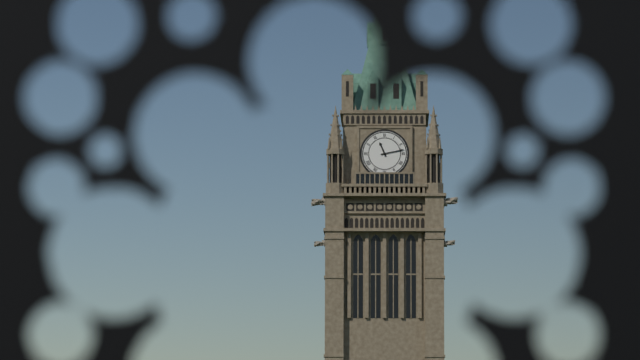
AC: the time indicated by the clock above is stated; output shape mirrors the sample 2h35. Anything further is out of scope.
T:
11h13
